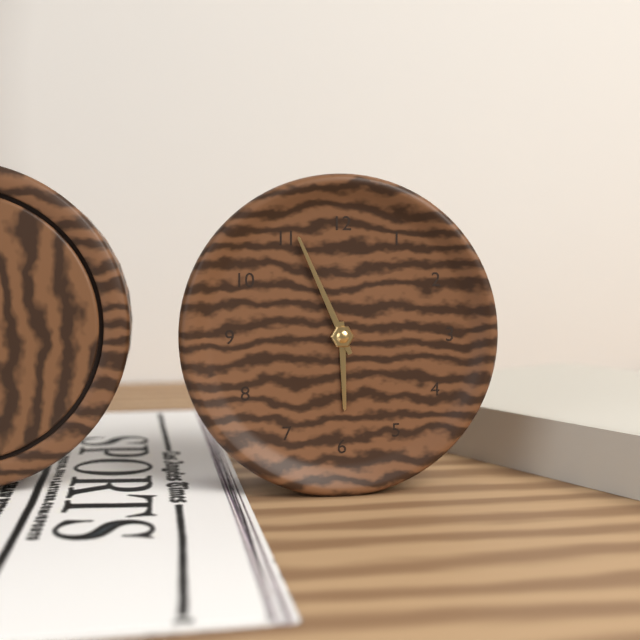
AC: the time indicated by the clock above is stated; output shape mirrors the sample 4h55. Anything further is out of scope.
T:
5h56
